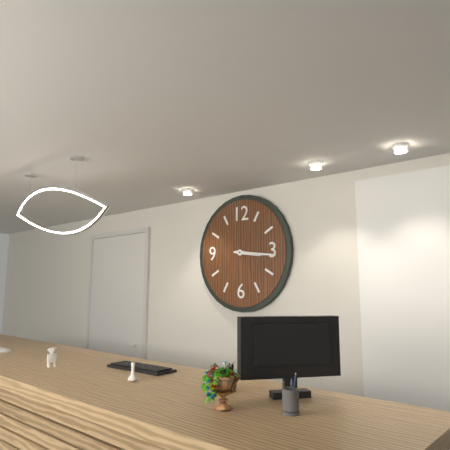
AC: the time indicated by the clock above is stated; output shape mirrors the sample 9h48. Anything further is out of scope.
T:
3h16
